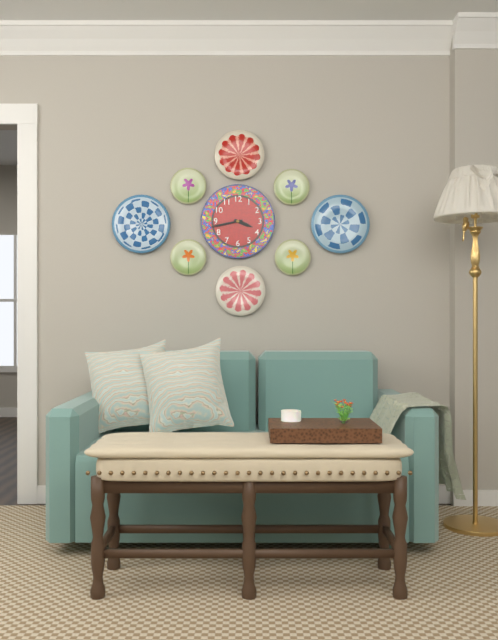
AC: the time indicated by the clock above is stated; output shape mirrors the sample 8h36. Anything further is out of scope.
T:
3h43
